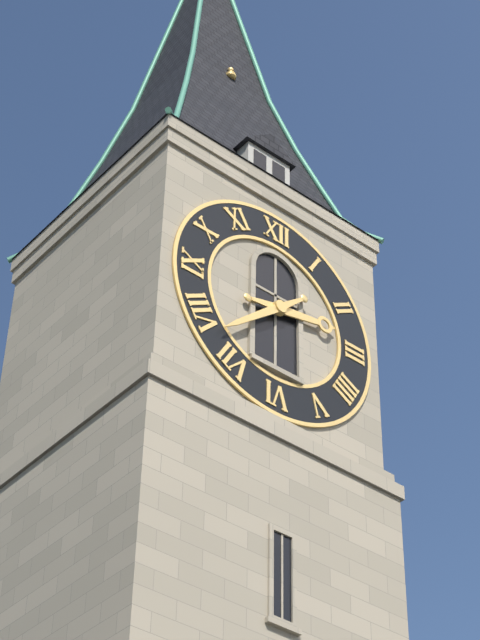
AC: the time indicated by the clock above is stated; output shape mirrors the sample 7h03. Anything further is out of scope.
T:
2h38
